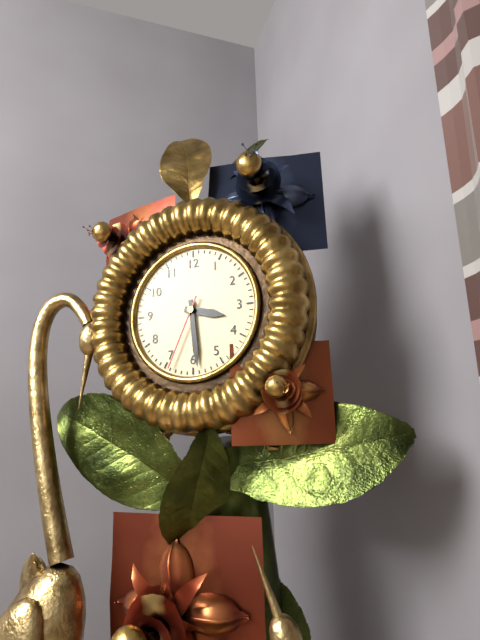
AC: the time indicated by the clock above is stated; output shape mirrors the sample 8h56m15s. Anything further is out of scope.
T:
3h29m34s
